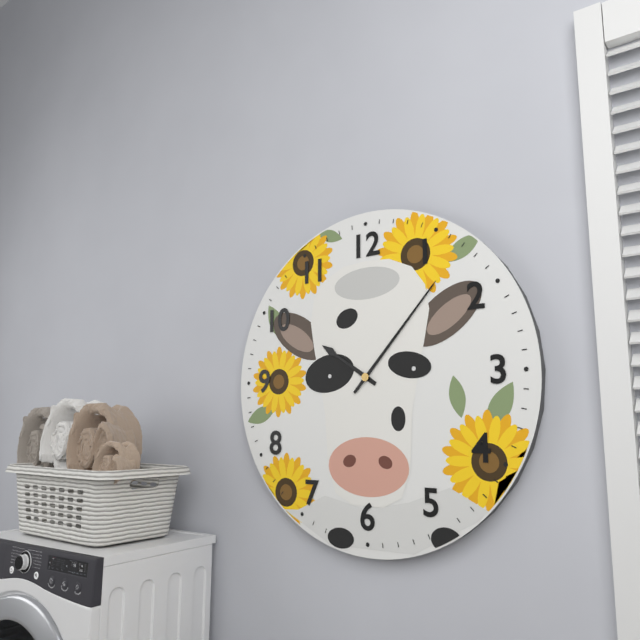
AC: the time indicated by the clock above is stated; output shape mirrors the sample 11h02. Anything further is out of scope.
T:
10h07
